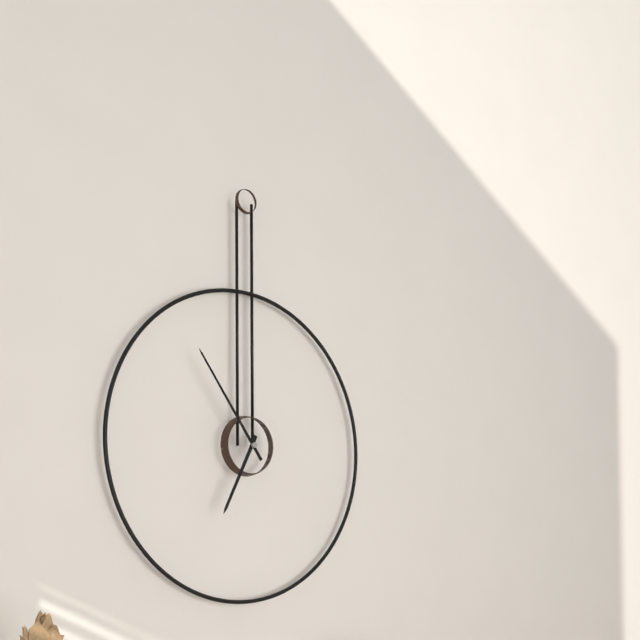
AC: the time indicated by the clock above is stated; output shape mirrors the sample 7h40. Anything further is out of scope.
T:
6h54
